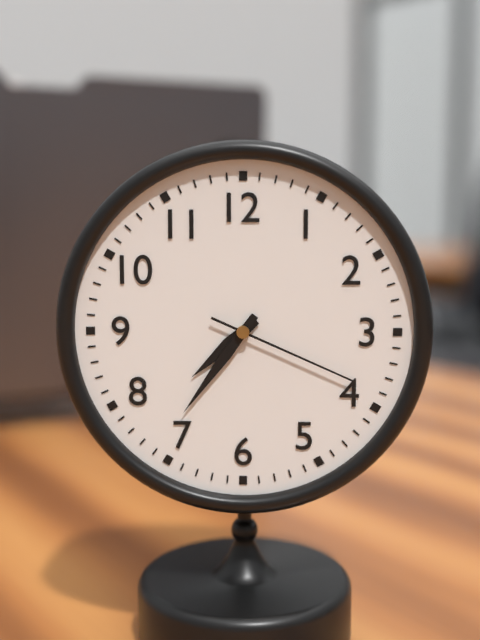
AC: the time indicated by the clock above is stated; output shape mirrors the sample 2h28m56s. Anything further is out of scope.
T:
7h36m19s
